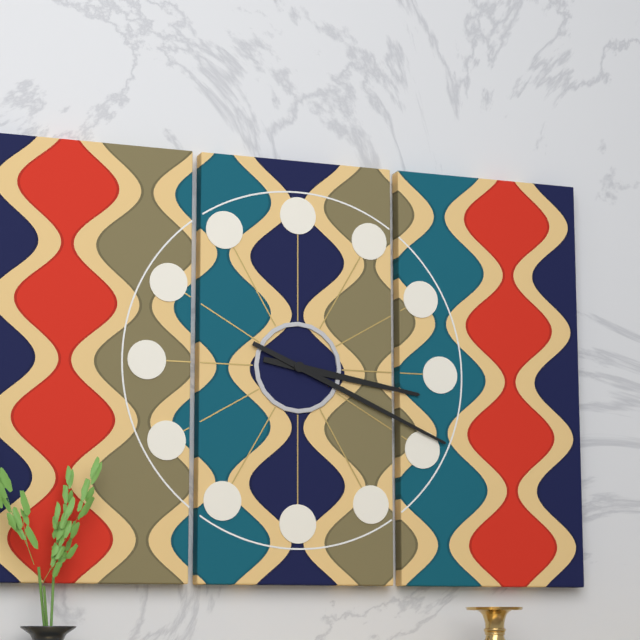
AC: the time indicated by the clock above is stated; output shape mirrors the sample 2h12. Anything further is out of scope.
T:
3h19
